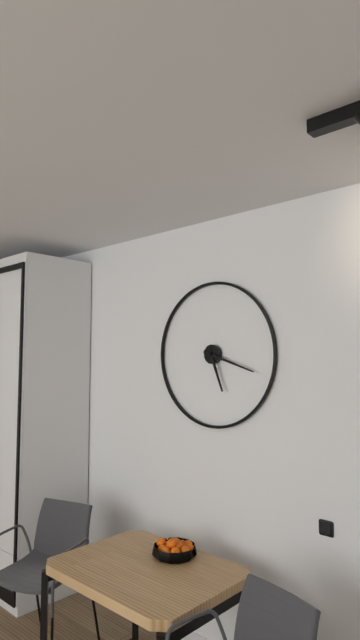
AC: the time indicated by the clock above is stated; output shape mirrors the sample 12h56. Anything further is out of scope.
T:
5h18
